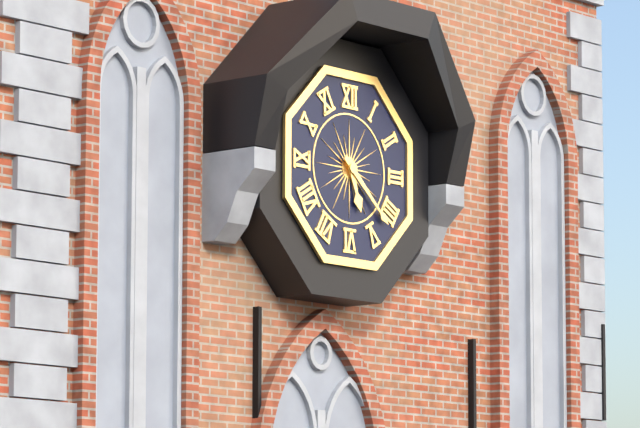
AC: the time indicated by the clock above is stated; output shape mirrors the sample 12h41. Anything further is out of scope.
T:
5h22
